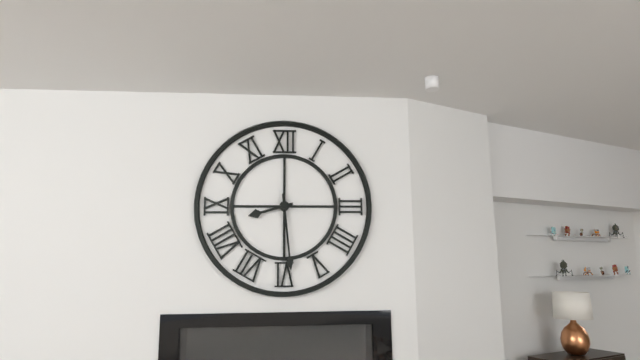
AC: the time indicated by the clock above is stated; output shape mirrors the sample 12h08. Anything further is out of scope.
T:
8h29
